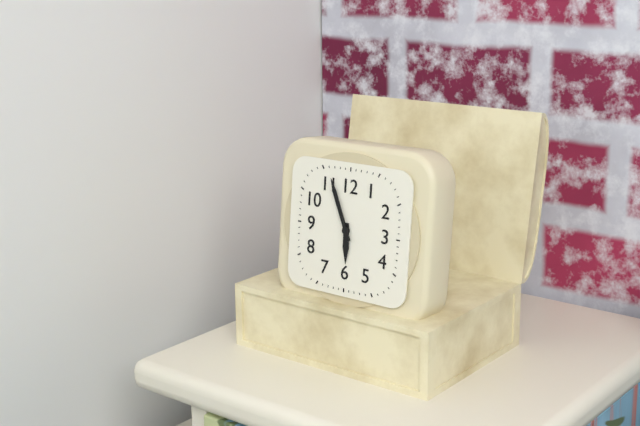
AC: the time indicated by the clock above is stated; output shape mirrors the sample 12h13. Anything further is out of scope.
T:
5h56
